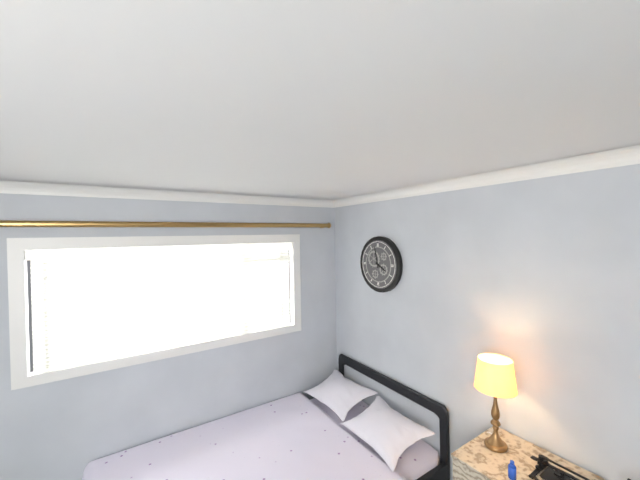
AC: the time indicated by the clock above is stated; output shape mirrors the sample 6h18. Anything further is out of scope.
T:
3h58
